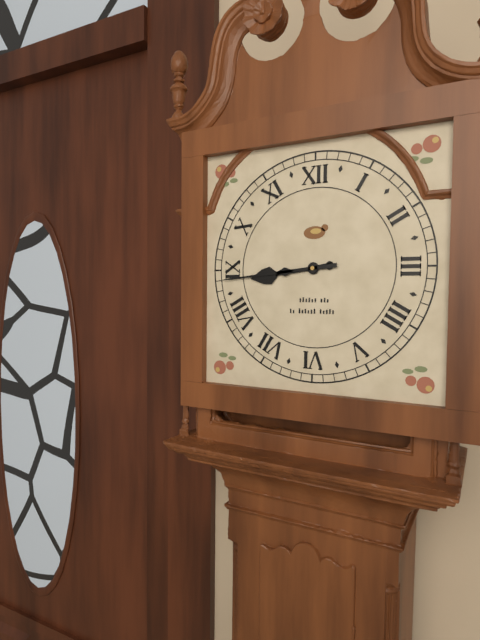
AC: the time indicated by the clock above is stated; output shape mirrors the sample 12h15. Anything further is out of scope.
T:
8h44
